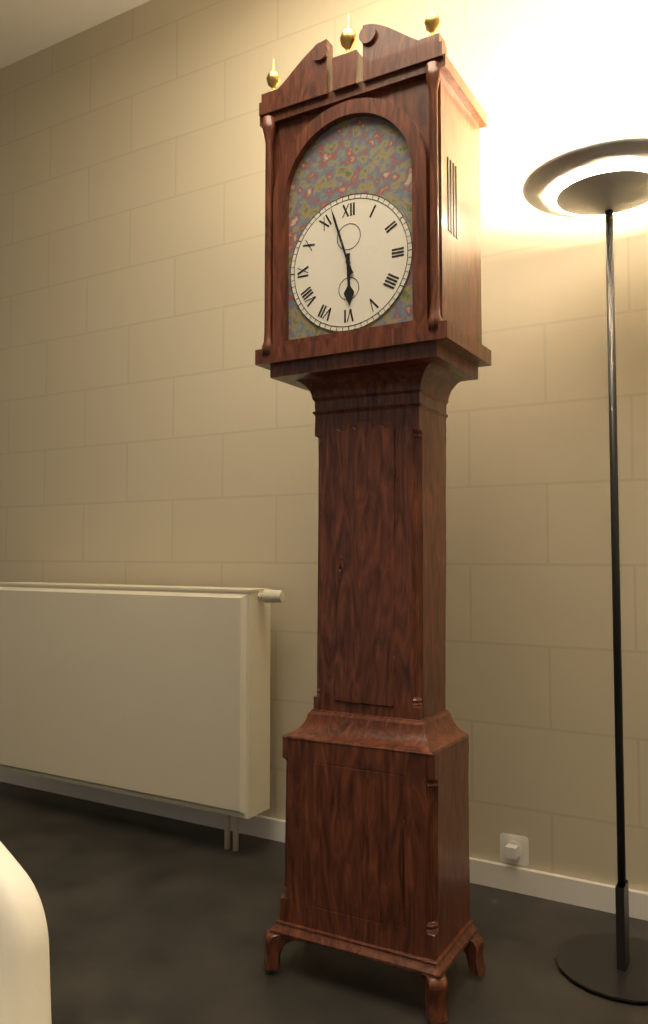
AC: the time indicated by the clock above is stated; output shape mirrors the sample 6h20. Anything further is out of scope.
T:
5h57
